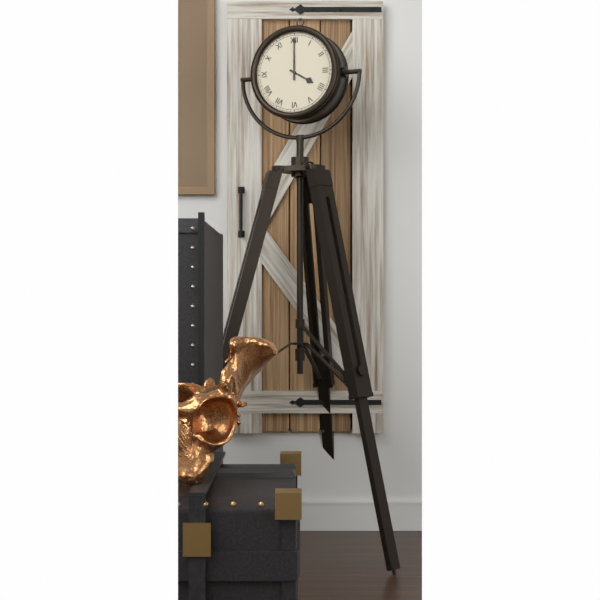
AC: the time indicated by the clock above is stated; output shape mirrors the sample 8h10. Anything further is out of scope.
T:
4h00
